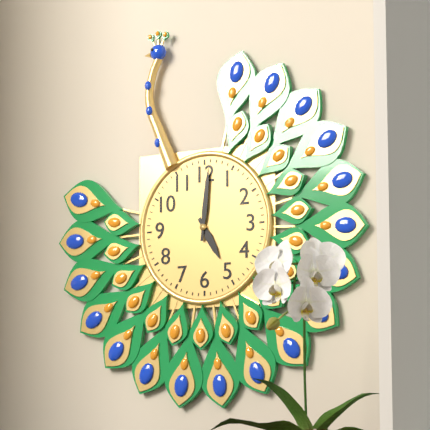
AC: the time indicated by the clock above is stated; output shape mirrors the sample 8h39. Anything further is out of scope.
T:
5h01
